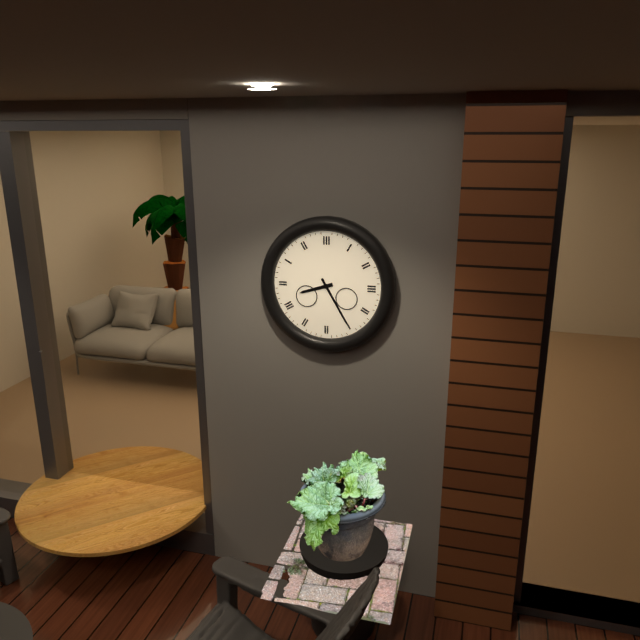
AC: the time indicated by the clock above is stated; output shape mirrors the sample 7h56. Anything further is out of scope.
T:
8h25
